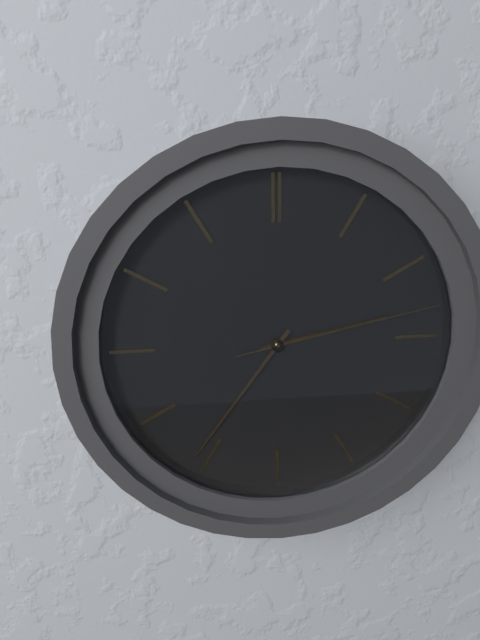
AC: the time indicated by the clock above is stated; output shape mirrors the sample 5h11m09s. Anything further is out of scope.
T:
2h36m13s
